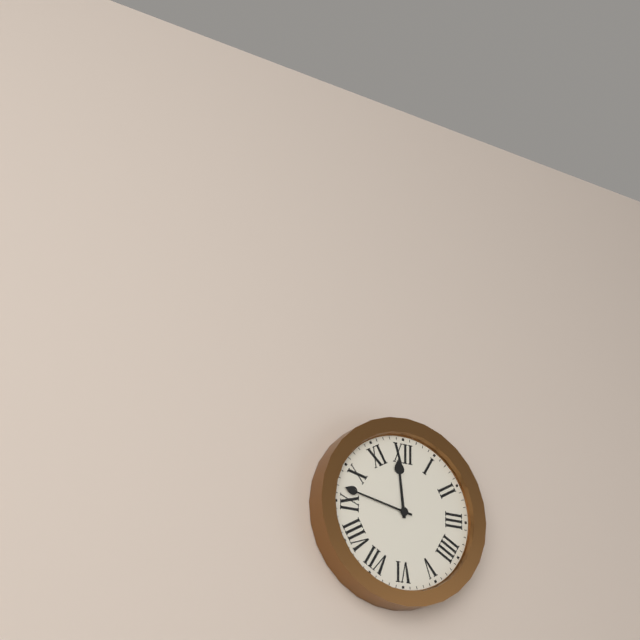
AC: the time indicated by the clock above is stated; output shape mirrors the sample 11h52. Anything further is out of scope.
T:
11h47
